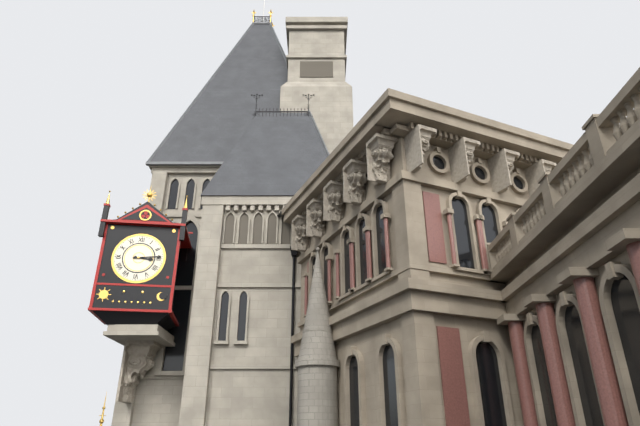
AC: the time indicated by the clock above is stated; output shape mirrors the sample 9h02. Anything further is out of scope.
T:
3h14
